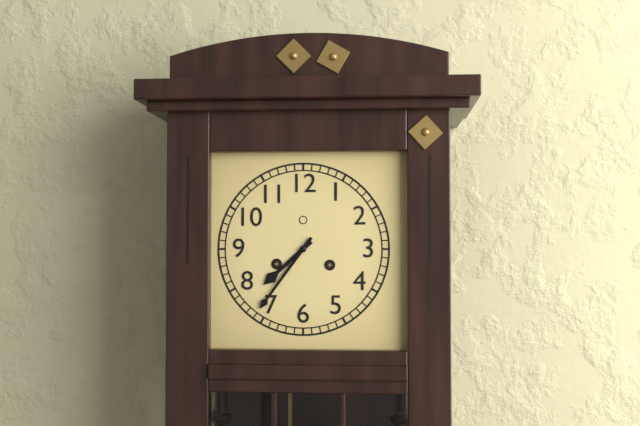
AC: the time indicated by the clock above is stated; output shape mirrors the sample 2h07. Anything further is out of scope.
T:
7h36
